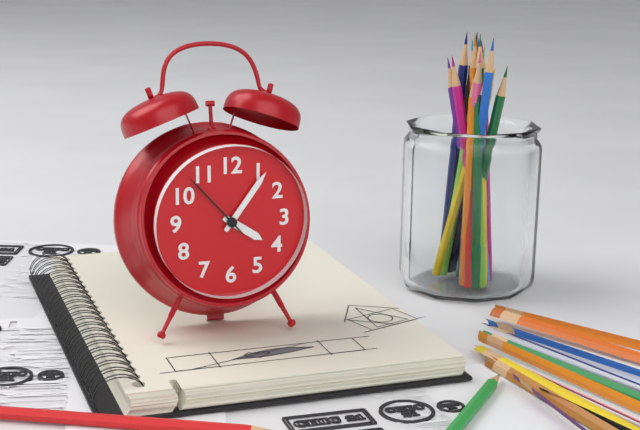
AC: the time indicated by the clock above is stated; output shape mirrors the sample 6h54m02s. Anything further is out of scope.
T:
4h06m53s
